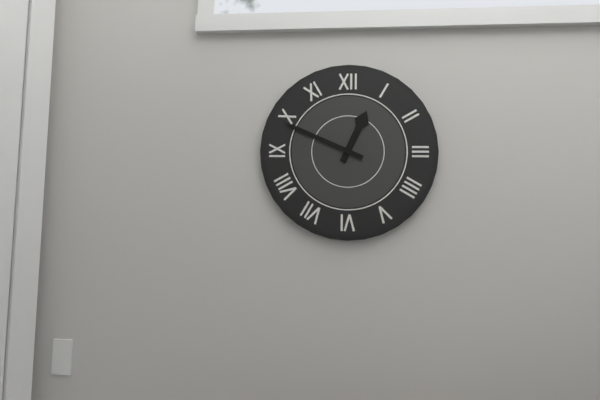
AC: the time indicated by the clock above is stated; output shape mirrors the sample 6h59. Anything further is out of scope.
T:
12h49
